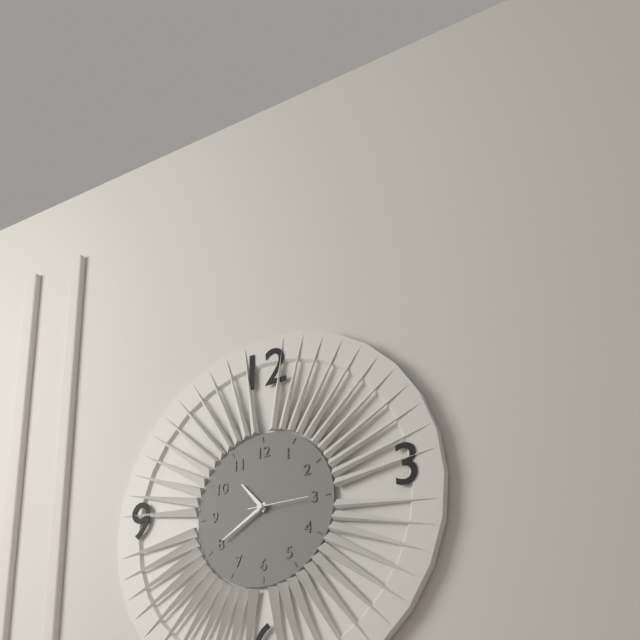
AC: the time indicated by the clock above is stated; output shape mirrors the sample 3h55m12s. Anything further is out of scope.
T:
10h40m15s
